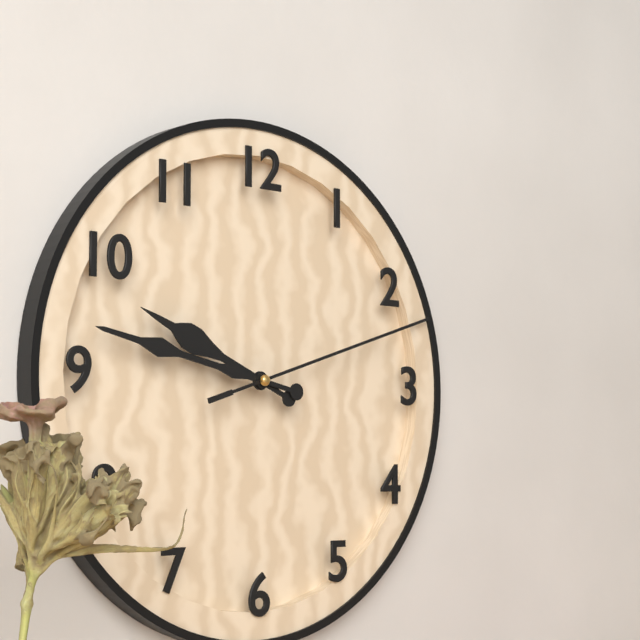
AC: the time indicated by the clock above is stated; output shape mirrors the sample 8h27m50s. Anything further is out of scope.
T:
9h47m12s
